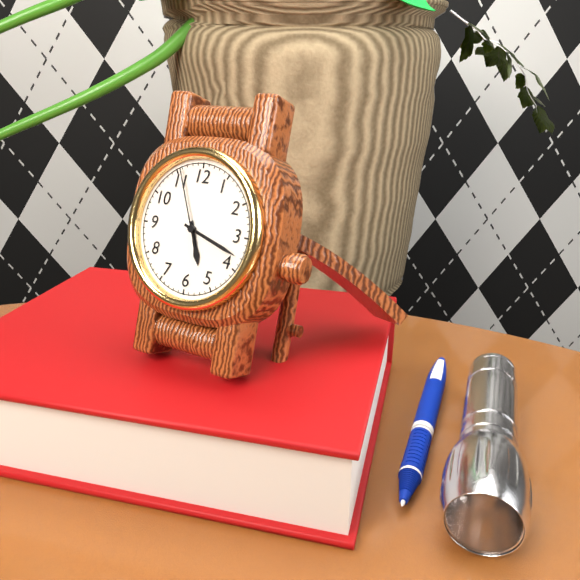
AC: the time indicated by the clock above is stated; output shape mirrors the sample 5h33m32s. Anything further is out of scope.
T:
5h18m56s
